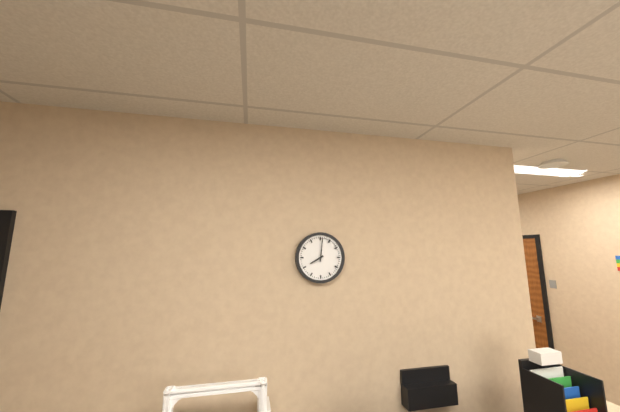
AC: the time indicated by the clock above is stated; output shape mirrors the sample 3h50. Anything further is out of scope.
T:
8h01
